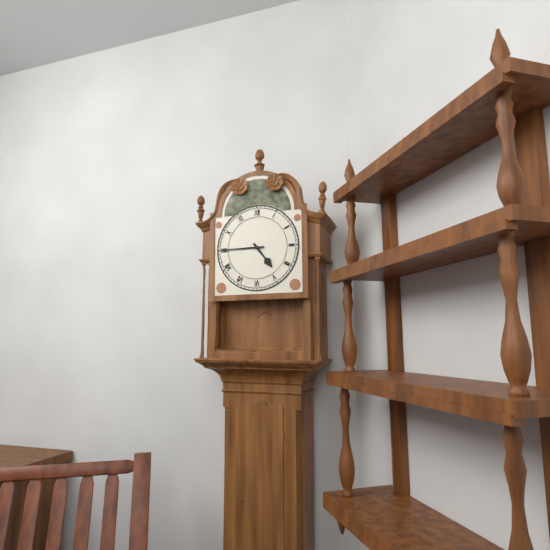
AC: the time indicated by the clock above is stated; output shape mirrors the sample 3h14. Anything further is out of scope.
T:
4h45
